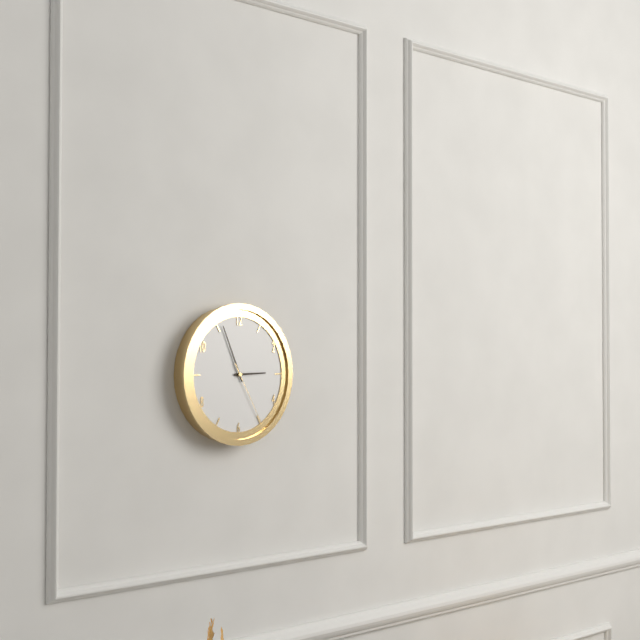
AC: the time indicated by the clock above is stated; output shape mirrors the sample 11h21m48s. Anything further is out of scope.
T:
2h56m25s
